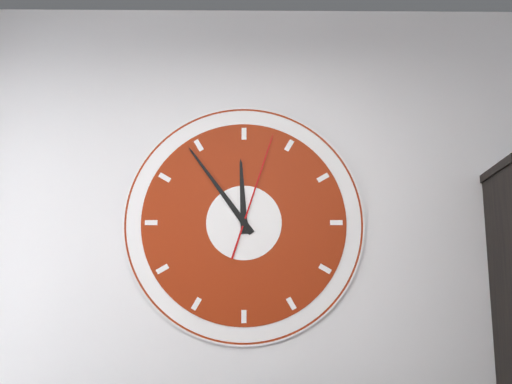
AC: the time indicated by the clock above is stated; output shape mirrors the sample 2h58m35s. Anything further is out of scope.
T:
11h54m03s
